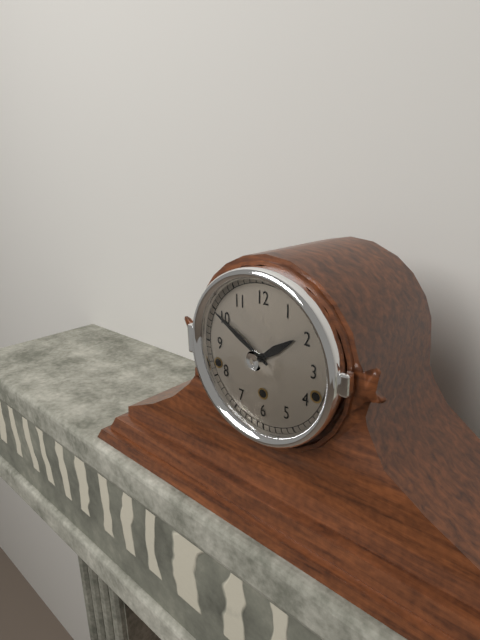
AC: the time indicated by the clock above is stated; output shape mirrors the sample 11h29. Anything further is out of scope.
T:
1h50
